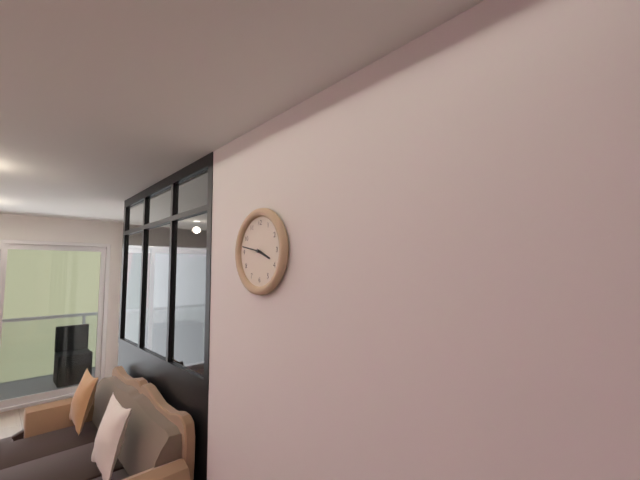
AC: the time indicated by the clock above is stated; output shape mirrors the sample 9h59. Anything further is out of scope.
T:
3h47
